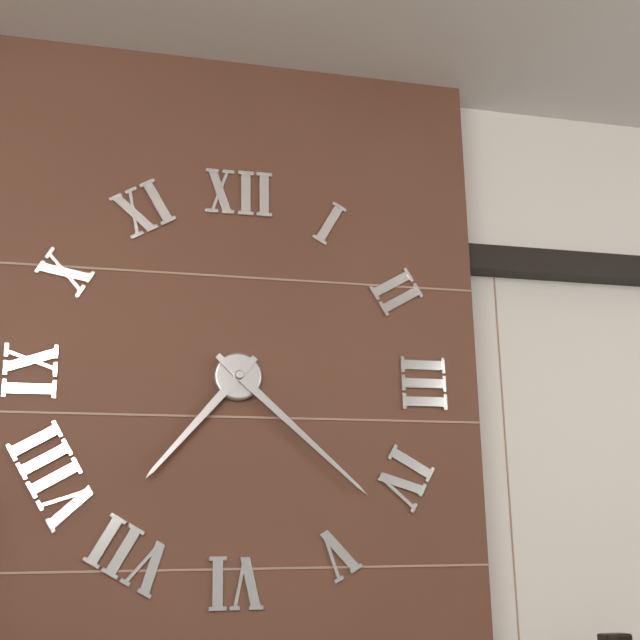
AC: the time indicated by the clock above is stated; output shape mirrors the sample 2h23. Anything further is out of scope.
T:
7h22
